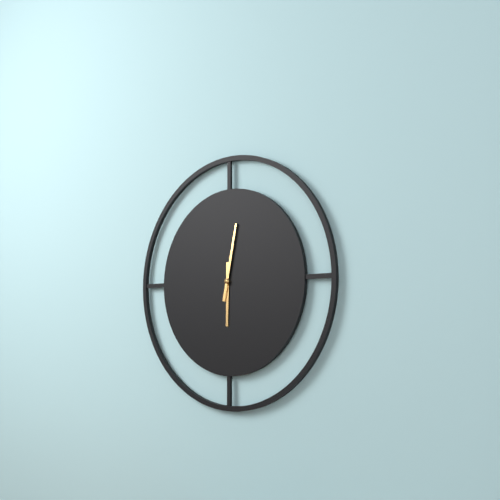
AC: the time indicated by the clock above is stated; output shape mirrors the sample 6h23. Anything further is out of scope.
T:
6h02
